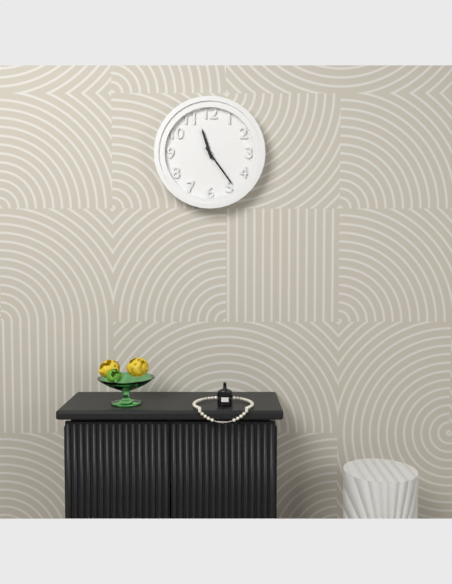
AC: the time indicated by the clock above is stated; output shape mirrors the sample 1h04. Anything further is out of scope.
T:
11h24
